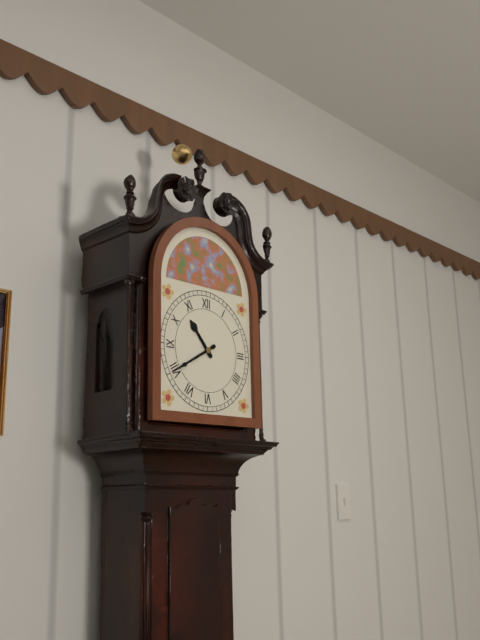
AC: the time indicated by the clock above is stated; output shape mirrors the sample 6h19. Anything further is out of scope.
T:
10h40
